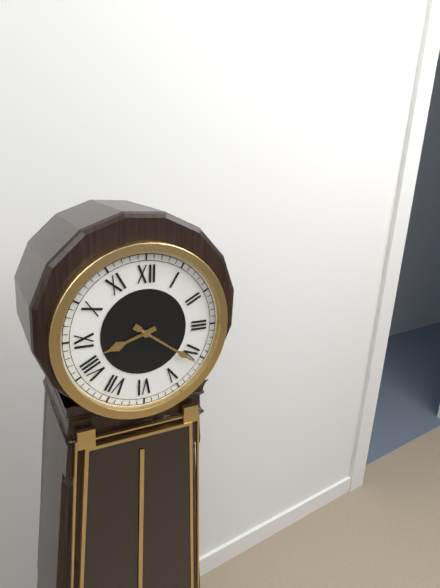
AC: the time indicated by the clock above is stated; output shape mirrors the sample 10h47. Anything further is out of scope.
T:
8h21
